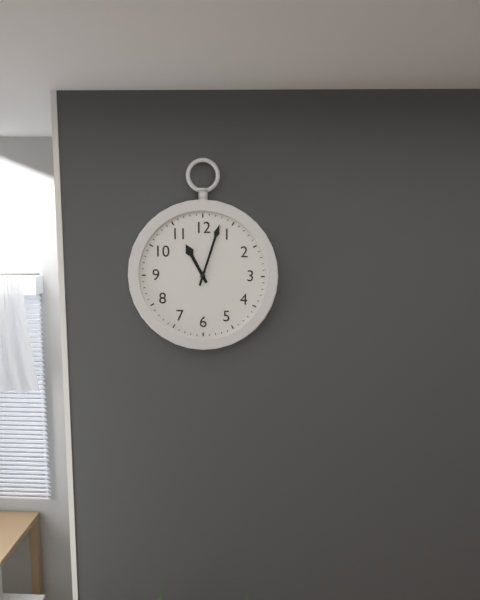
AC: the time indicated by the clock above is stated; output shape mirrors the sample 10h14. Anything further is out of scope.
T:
11h03
